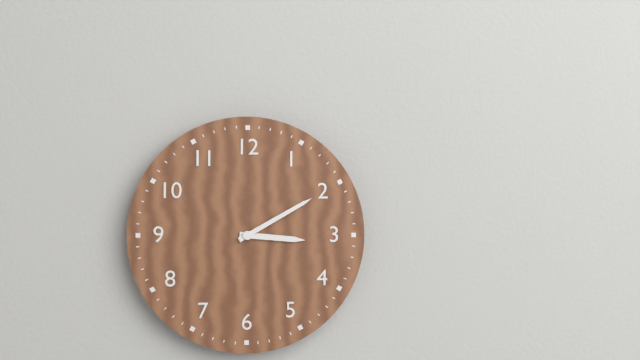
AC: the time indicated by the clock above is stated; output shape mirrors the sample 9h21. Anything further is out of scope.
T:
3h10
